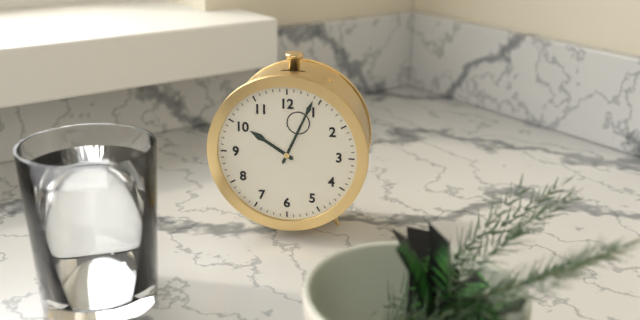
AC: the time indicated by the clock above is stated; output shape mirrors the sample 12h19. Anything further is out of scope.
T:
10h04
